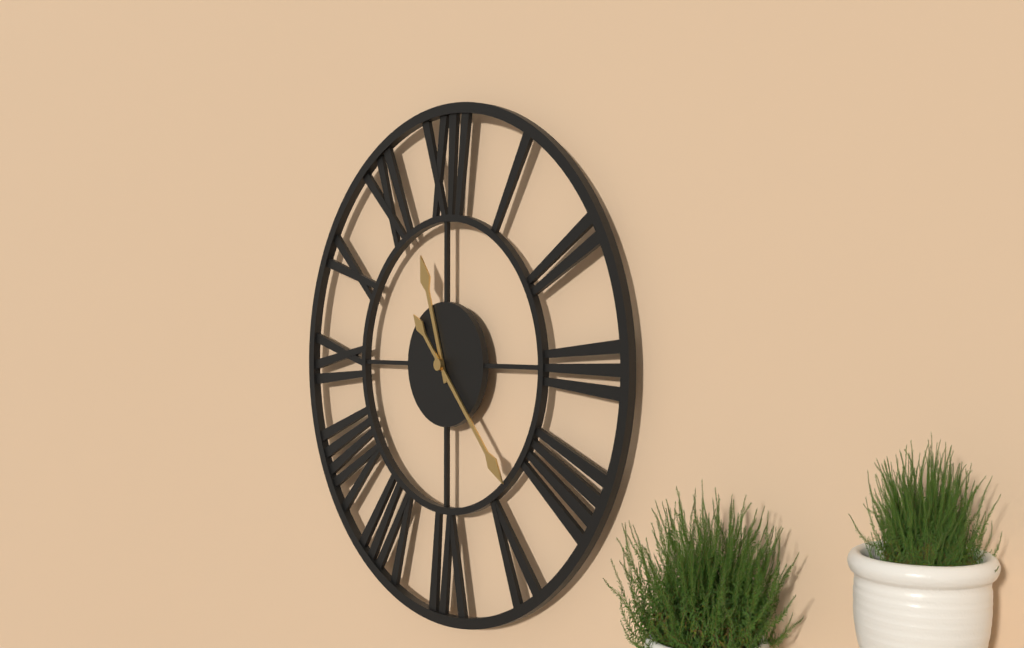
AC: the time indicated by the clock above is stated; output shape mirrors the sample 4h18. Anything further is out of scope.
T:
11h23
